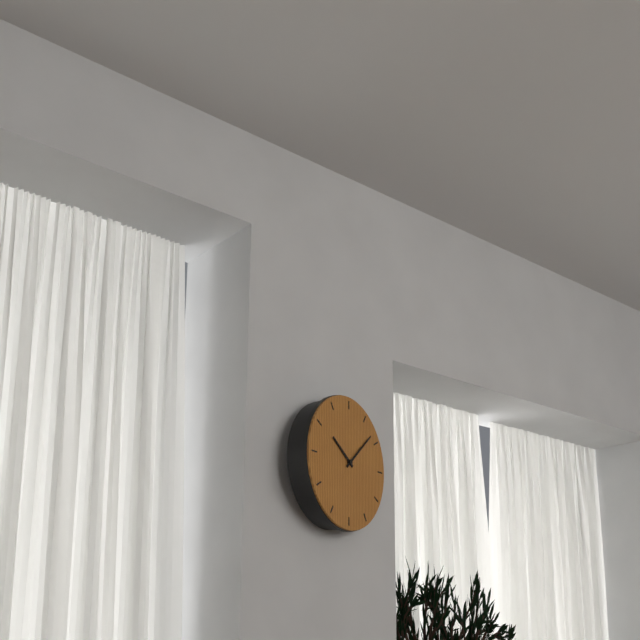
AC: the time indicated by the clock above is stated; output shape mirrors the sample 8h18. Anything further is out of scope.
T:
10h08
